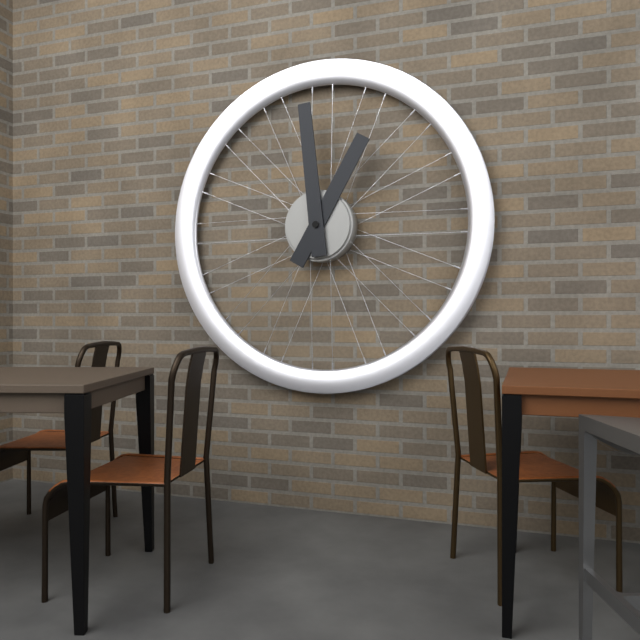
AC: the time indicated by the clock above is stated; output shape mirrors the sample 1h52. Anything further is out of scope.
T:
12h59
